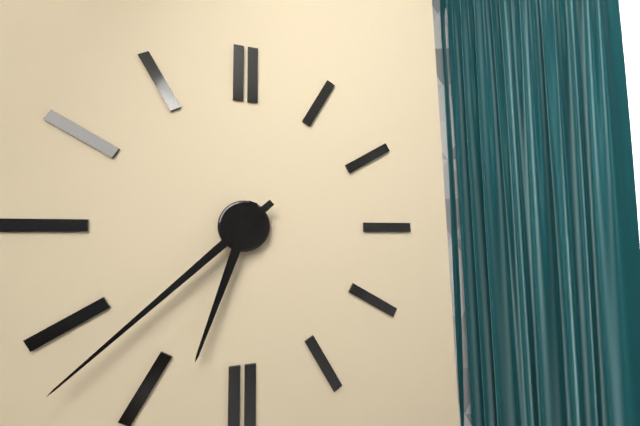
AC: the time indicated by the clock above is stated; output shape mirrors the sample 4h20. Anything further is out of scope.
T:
6h38
